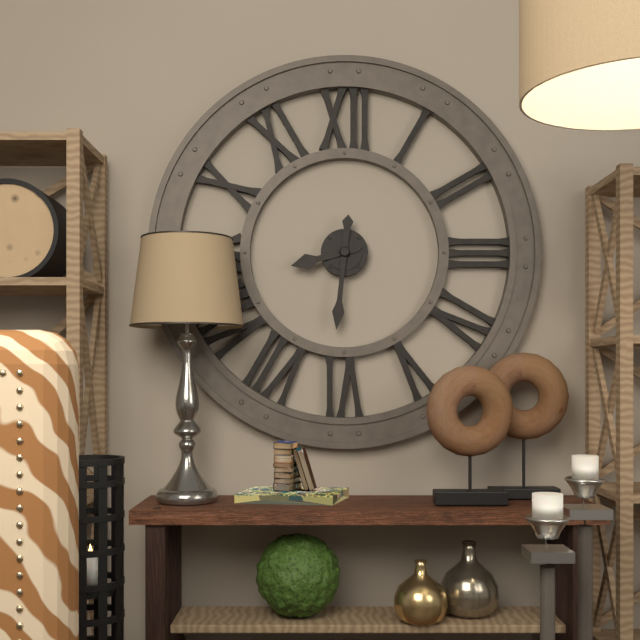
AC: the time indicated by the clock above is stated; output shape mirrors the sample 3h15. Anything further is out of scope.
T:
8h31
